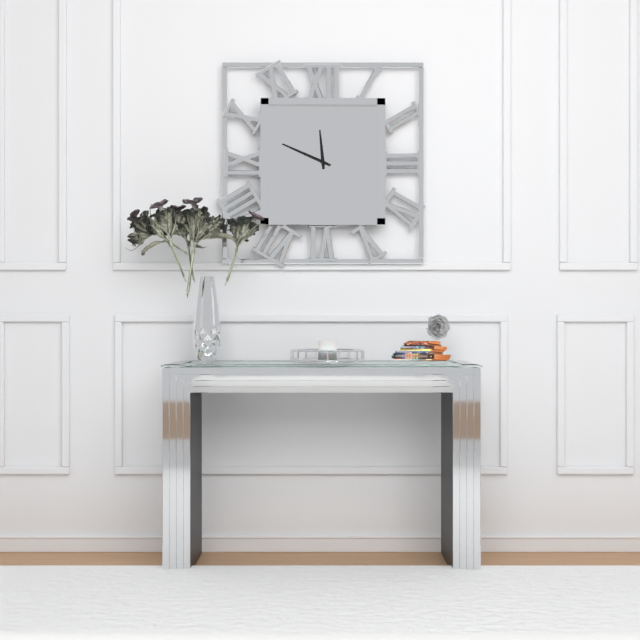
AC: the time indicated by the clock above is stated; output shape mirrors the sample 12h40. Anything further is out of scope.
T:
11h49
